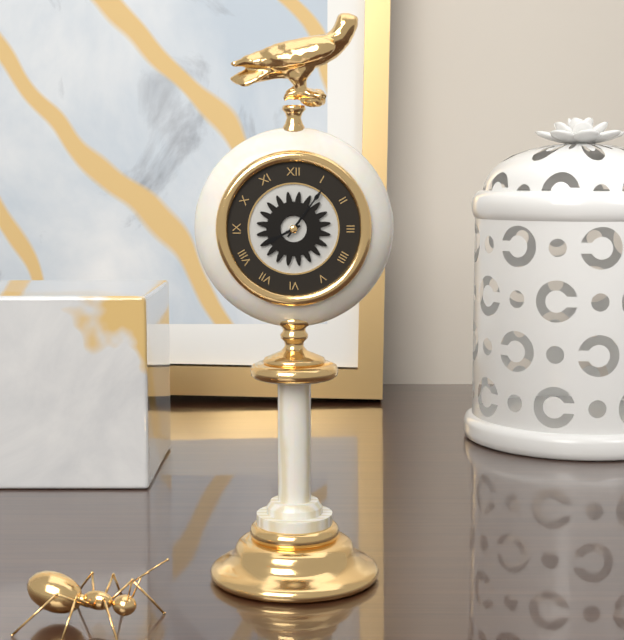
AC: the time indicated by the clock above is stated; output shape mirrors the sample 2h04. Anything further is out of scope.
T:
8h06
